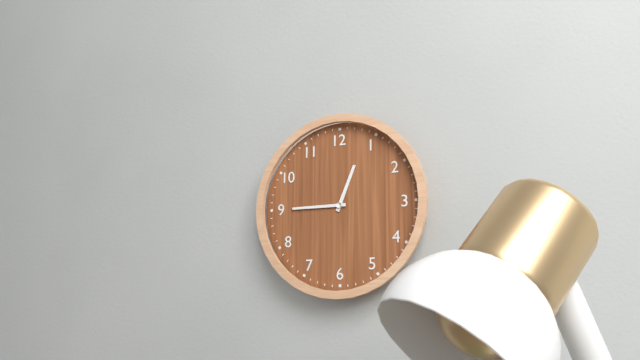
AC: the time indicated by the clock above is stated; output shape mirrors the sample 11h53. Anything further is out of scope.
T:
12h45
